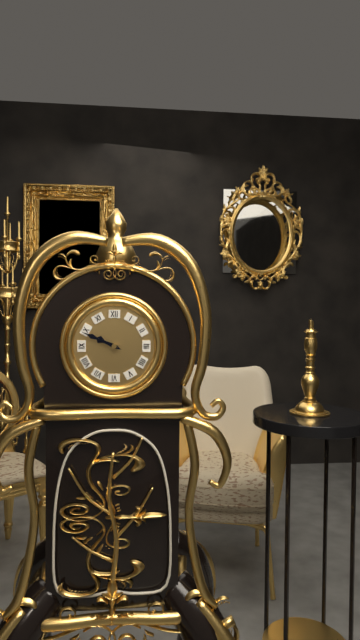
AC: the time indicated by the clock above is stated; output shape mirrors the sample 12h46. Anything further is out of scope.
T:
9h49
